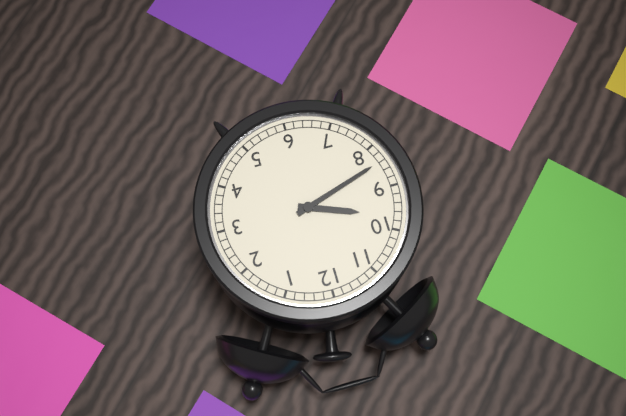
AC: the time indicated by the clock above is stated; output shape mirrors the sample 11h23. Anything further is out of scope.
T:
9h42
